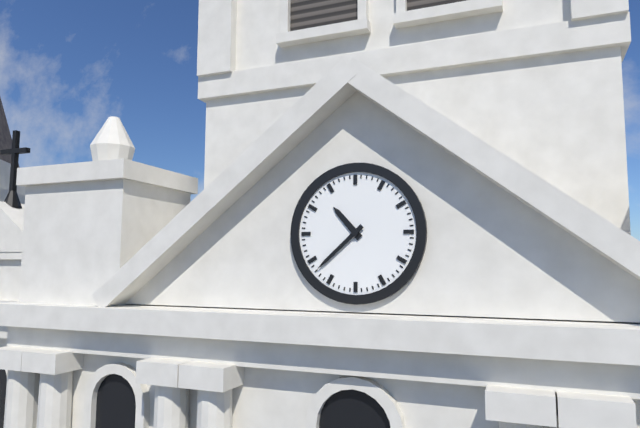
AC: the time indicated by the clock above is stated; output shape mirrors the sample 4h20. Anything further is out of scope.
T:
10h38
